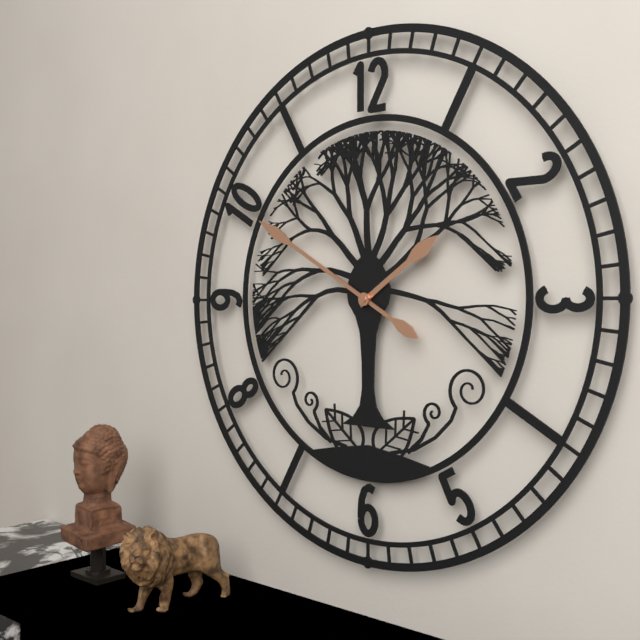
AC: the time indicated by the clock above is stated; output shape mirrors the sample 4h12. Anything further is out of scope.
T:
1h50
